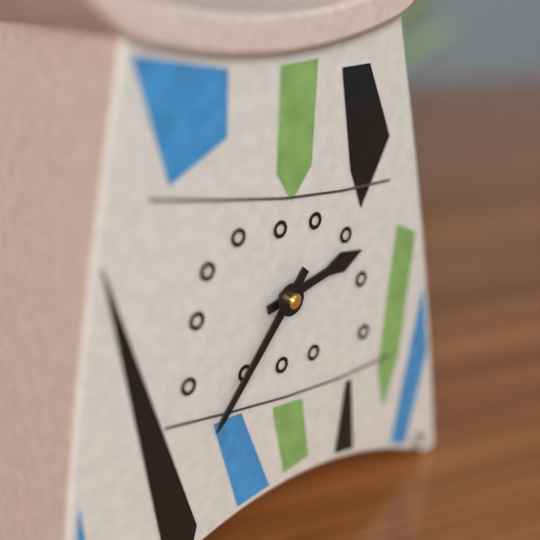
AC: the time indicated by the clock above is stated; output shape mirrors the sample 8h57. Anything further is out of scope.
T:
2h37
